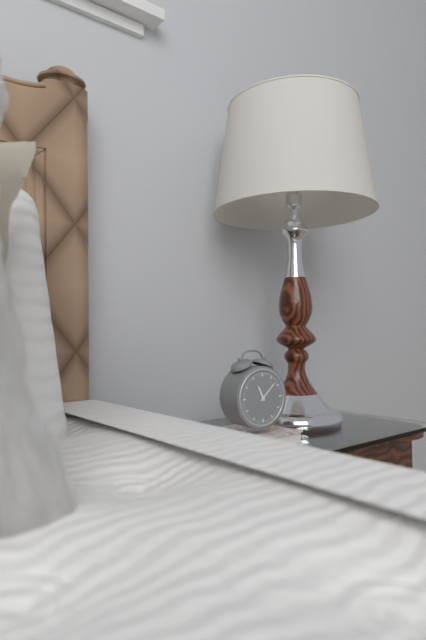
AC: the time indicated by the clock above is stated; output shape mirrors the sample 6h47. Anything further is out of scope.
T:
11h08
